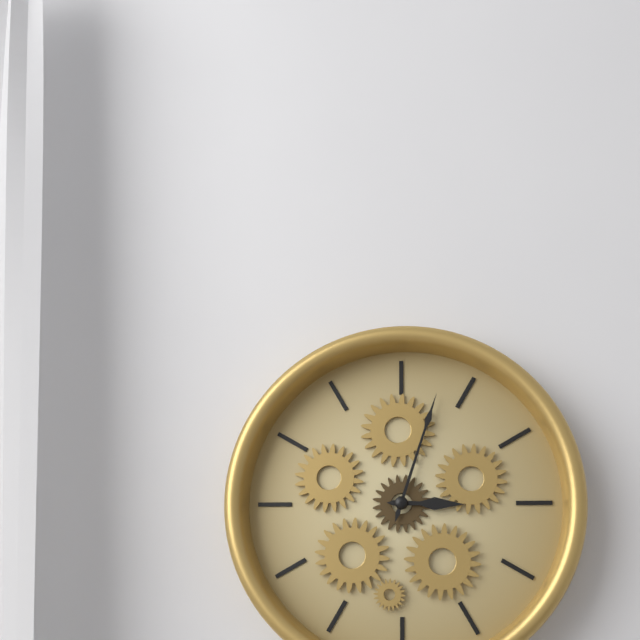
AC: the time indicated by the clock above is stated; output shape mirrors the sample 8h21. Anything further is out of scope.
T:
3h03
